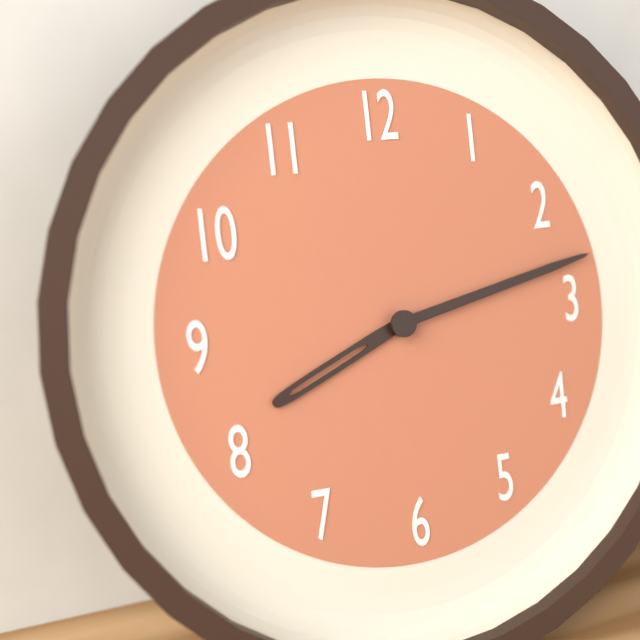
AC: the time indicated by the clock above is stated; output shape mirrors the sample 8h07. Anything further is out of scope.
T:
8h13
